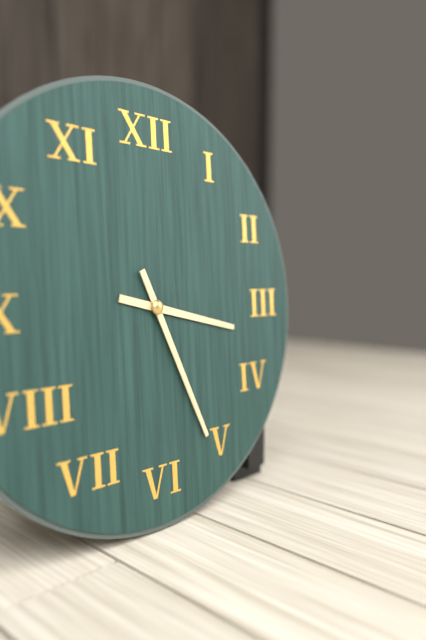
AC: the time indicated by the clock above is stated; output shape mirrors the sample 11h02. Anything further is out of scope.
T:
3h26
